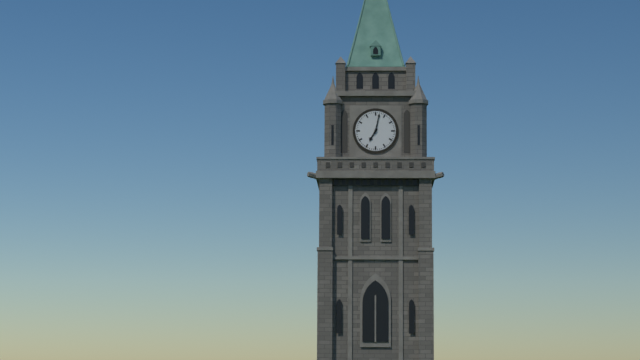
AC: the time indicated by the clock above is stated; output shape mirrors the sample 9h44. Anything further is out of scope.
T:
7h02
